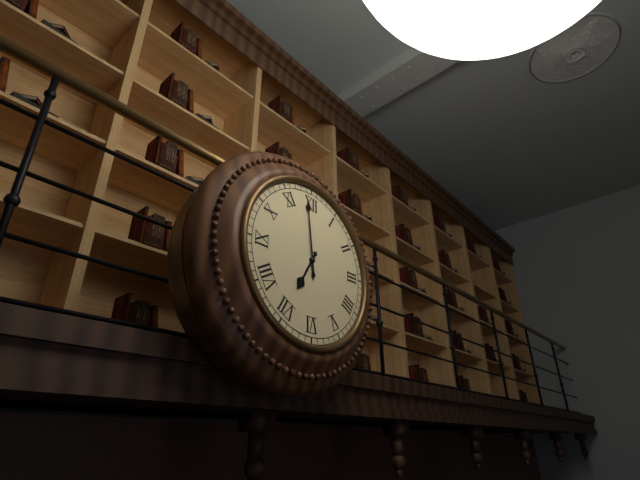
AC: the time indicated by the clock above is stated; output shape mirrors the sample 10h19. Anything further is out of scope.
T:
6h59
